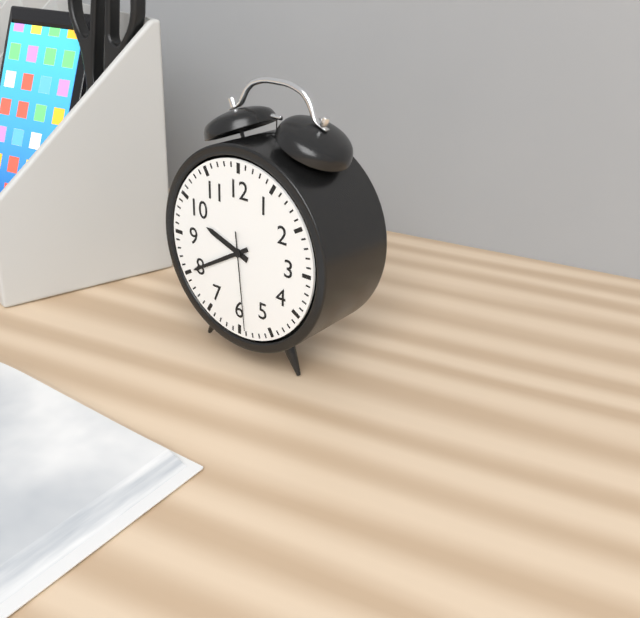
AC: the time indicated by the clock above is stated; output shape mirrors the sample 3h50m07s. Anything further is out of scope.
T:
9h40m29s
